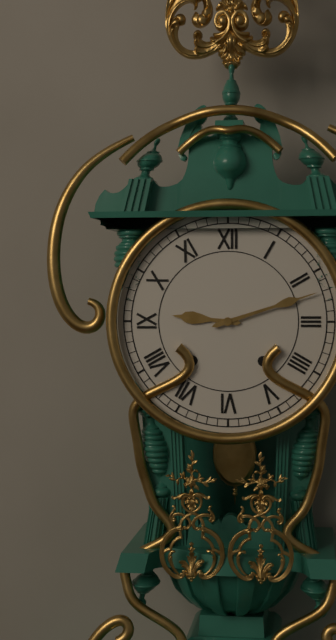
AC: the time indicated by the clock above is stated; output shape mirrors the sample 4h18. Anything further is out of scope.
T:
9h12
